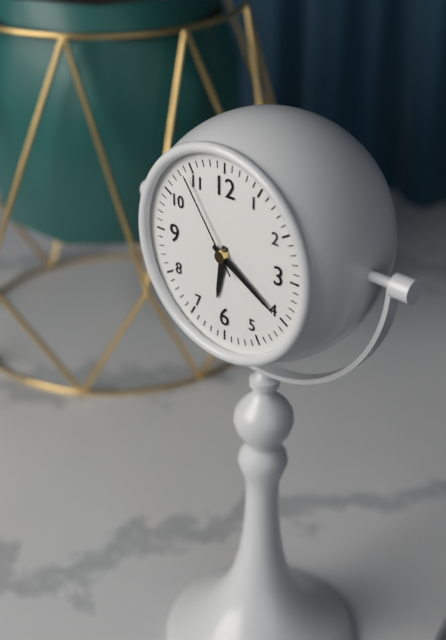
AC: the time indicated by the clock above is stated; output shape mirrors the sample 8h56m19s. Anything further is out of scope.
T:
6h20m54s
